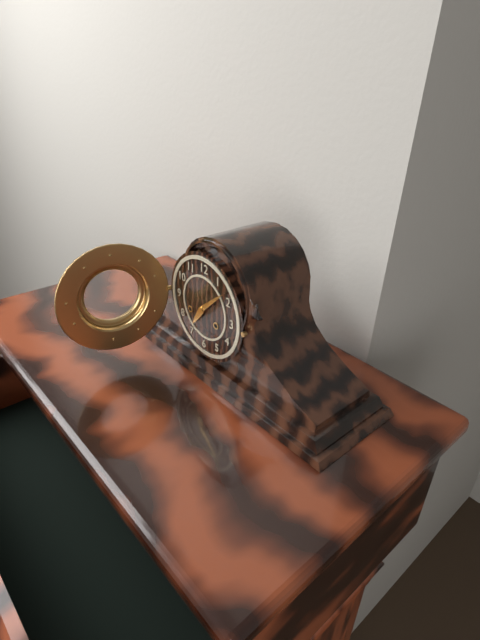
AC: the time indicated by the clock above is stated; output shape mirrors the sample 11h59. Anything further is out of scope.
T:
7h08
